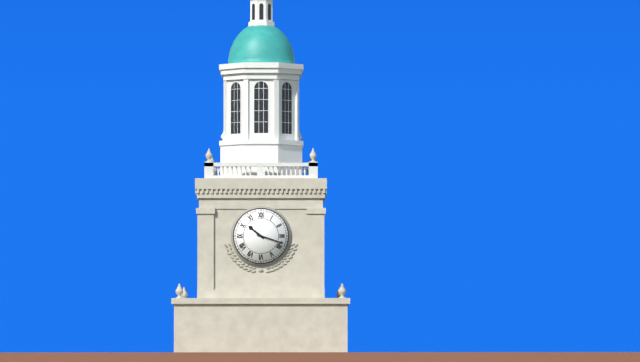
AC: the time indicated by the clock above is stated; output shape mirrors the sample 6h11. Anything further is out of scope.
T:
10h18
